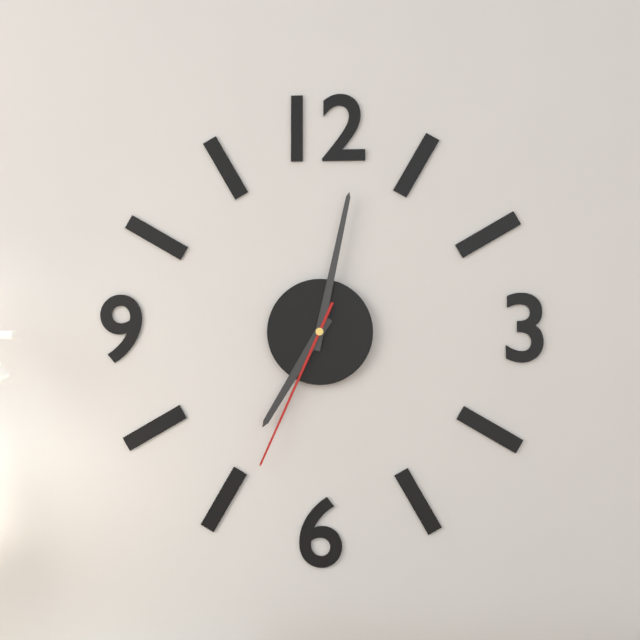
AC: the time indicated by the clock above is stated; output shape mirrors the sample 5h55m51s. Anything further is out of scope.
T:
7h02m34s
